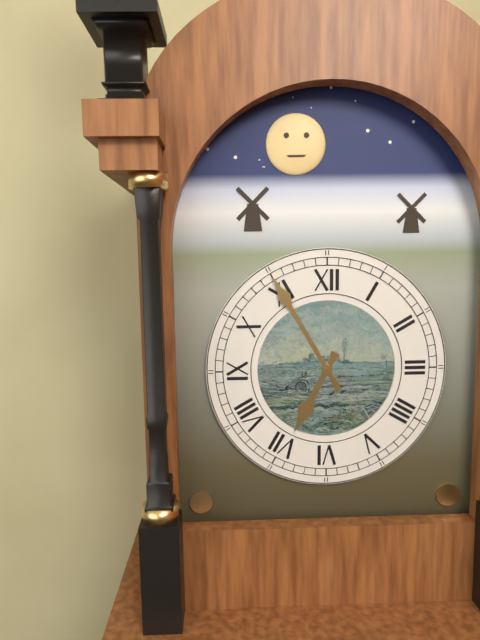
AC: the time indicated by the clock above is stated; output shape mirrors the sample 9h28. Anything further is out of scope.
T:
6h55
